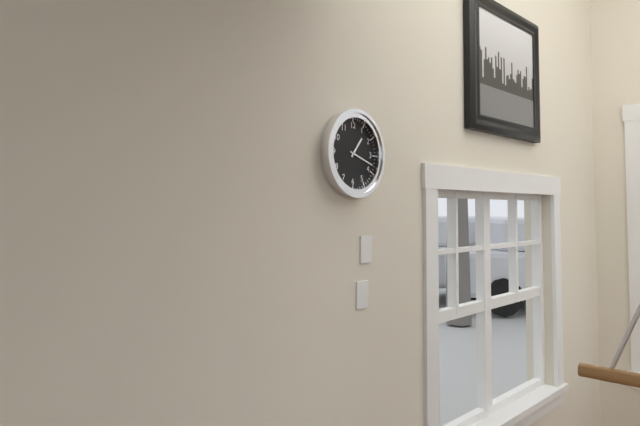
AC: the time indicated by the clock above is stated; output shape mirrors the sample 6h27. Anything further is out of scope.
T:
1h18
